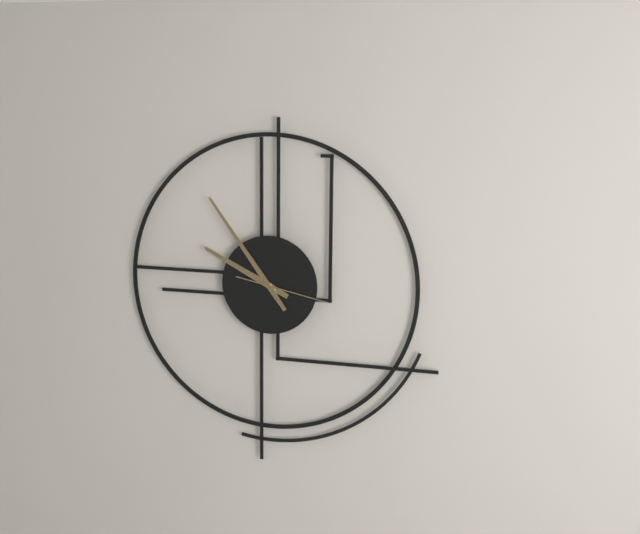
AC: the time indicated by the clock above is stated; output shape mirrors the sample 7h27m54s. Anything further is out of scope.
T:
9h54m17s
